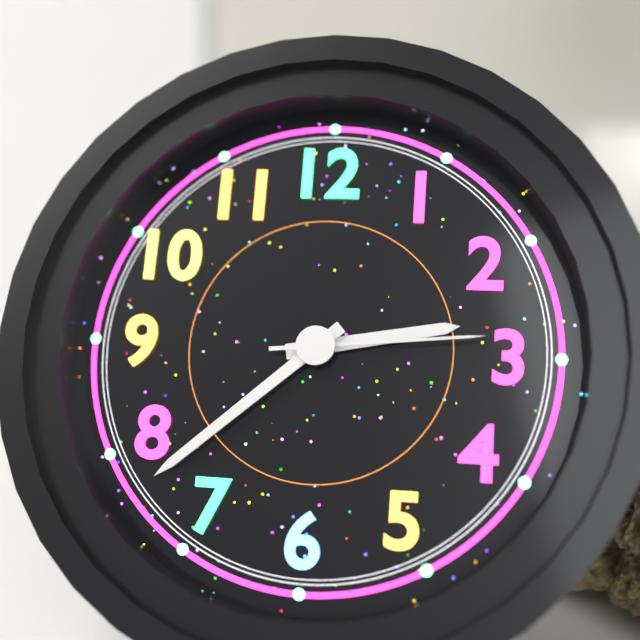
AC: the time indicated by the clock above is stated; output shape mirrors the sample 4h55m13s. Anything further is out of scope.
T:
2h38m14s
